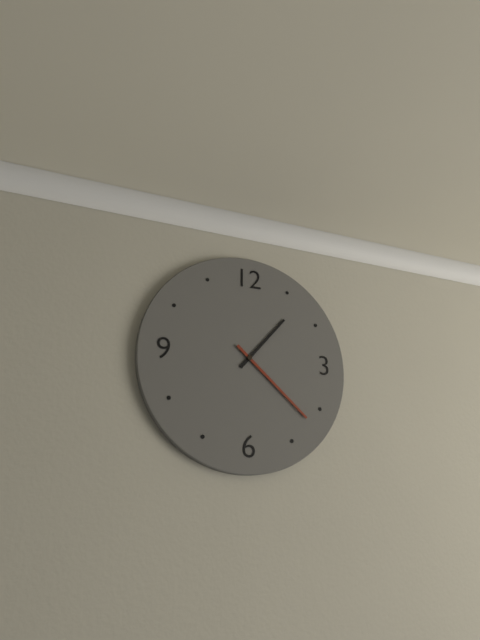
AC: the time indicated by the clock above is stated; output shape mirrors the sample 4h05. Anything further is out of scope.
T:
1h22
